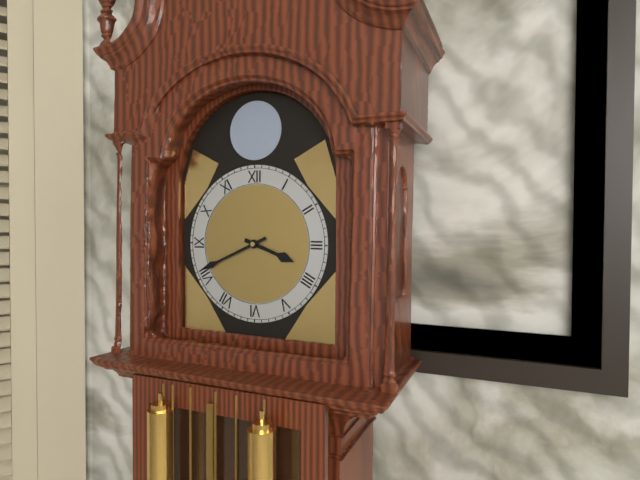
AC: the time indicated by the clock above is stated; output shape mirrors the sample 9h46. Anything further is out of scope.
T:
3h41
